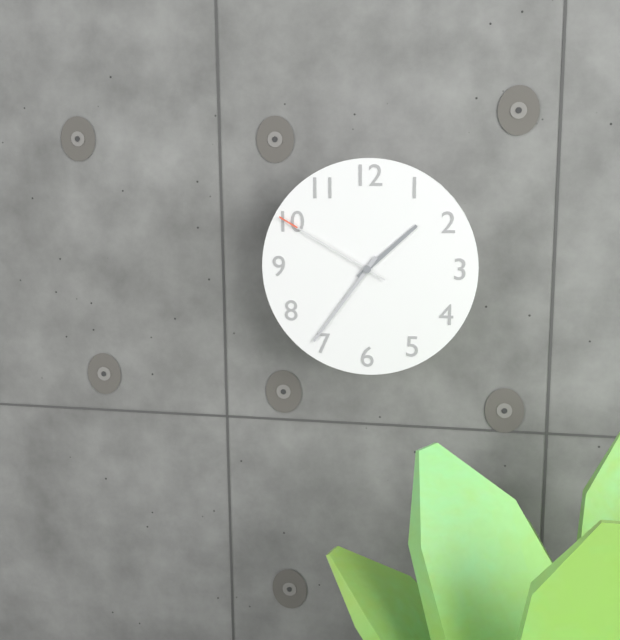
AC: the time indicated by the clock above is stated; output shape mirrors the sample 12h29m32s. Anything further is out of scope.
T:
1h36m50s
